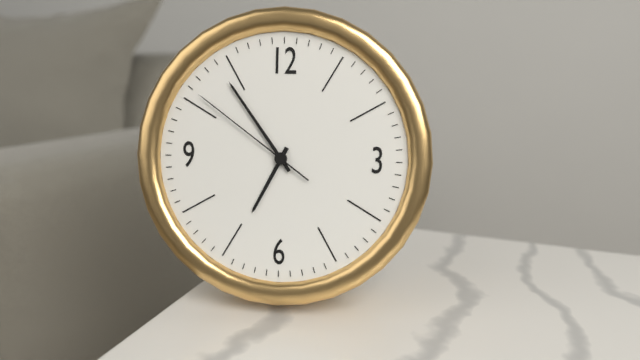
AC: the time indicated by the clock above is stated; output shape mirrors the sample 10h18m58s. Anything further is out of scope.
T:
6h54m51s
